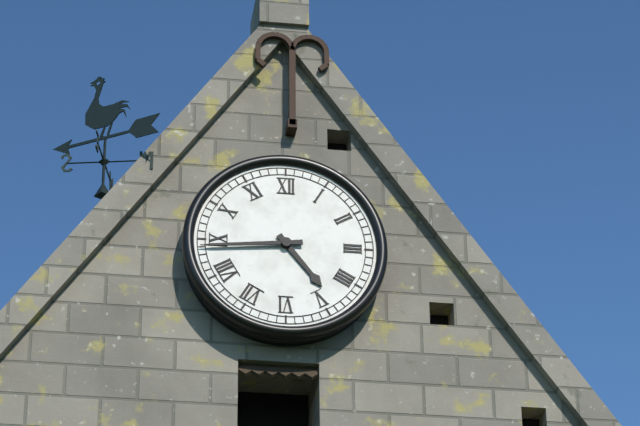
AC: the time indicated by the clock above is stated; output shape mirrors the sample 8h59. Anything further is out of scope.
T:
4h44
